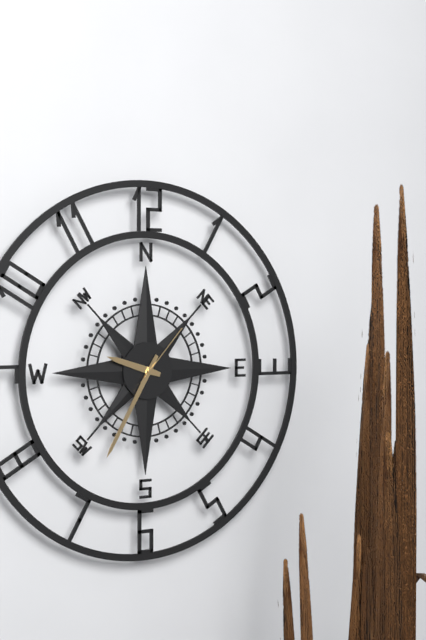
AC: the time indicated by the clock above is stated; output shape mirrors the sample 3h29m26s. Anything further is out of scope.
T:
9h35m07s
